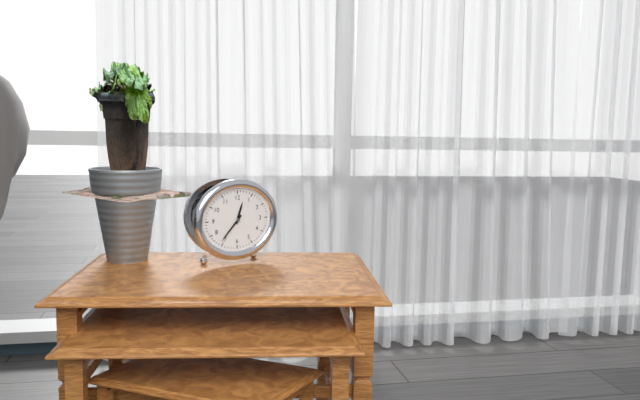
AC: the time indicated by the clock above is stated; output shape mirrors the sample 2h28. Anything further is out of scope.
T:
12h37
